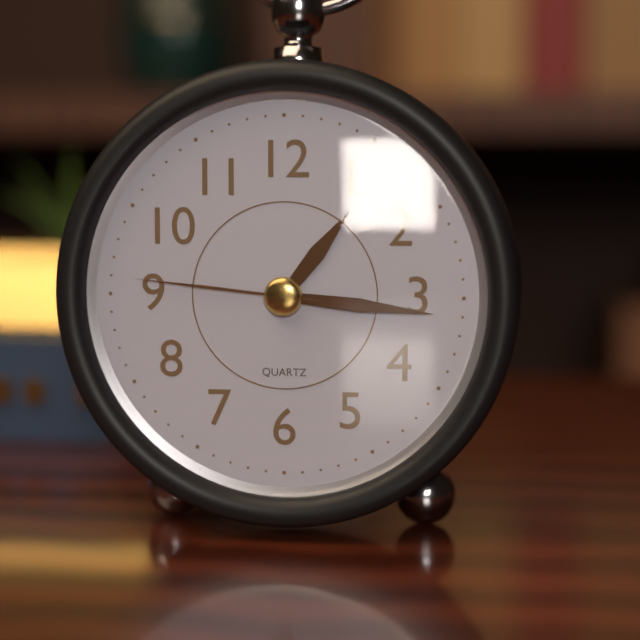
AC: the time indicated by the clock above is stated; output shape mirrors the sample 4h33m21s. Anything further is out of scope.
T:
1h16m46s
